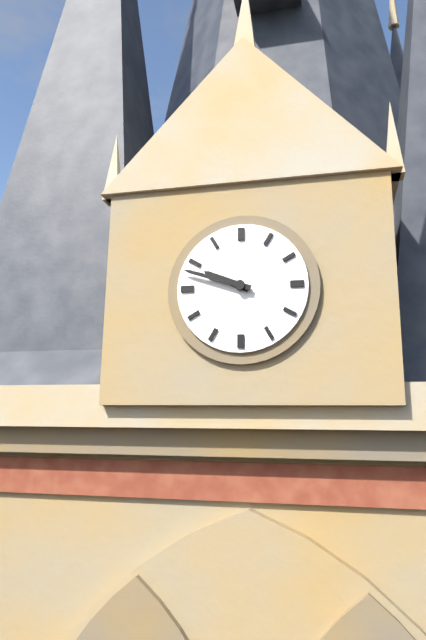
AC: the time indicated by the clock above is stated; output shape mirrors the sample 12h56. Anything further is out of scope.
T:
9h48
